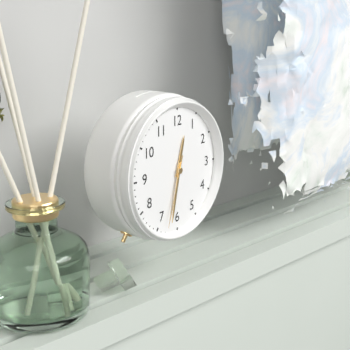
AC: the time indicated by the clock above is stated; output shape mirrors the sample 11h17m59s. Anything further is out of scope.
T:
12h32m33s
